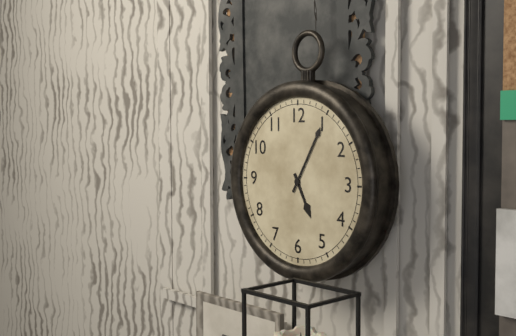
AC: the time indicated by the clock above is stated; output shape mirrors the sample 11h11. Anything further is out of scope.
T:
5h05
